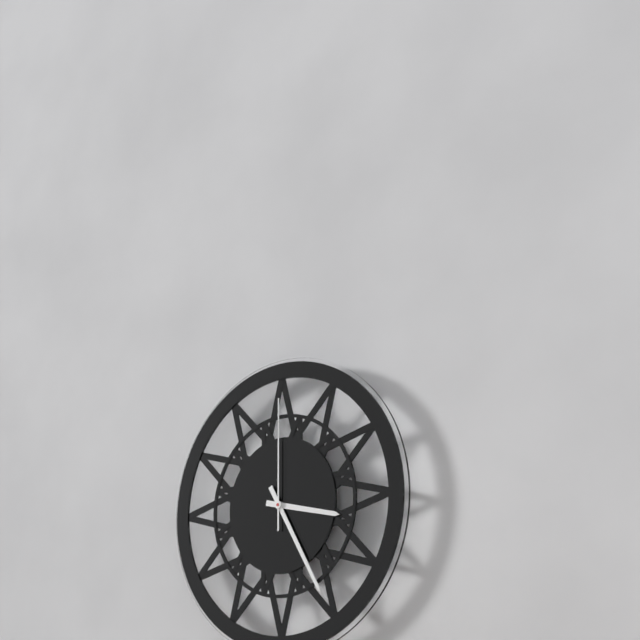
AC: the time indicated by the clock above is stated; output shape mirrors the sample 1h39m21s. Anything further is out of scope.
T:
3h25m00s
